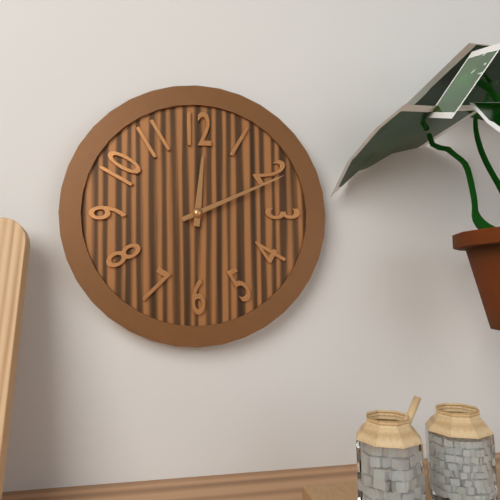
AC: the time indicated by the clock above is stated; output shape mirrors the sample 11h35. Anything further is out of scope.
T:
12h11
